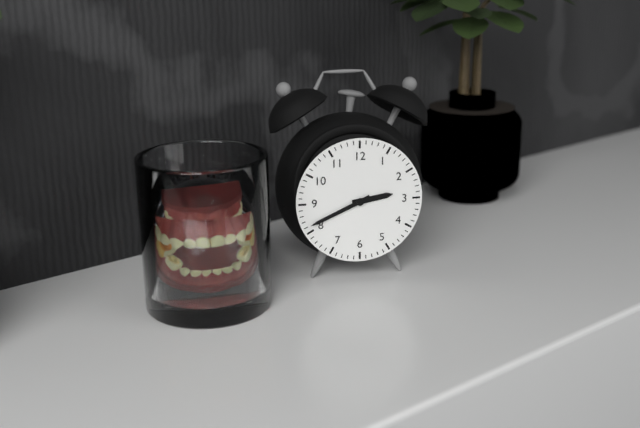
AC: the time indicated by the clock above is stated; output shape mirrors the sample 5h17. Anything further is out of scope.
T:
2h41
